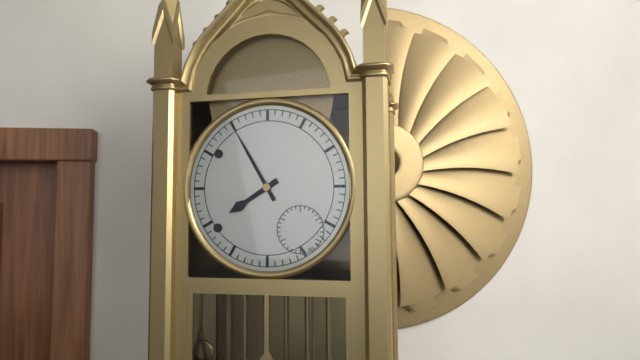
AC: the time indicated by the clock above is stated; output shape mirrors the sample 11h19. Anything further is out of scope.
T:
7h55
